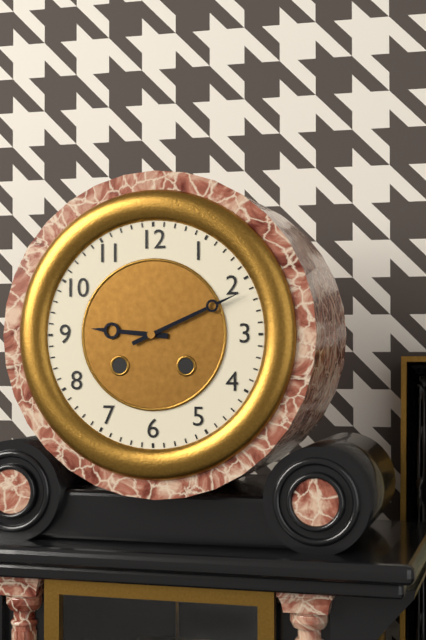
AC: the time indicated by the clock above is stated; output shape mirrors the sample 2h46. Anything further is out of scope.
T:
9h11
